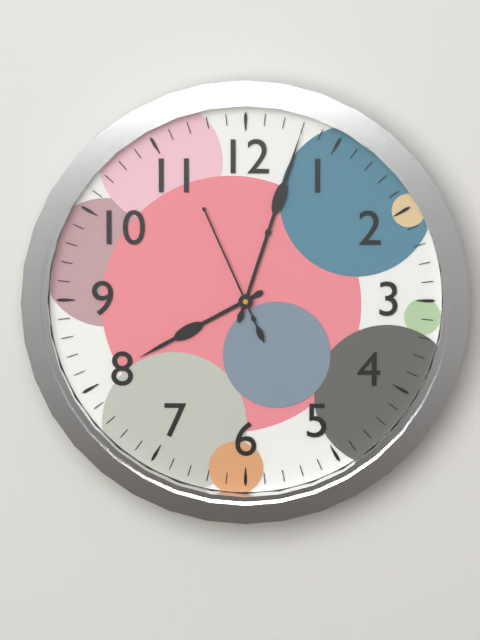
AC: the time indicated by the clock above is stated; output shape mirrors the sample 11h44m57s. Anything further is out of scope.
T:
8h03m56s
